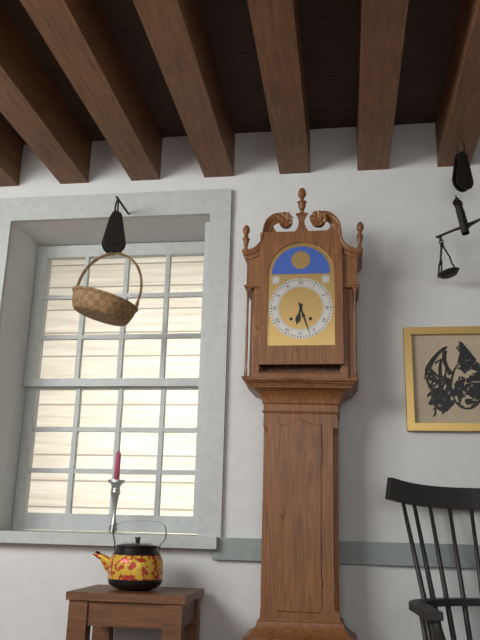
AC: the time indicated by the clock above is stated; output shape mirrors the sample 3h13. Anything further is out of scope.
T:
6h27
